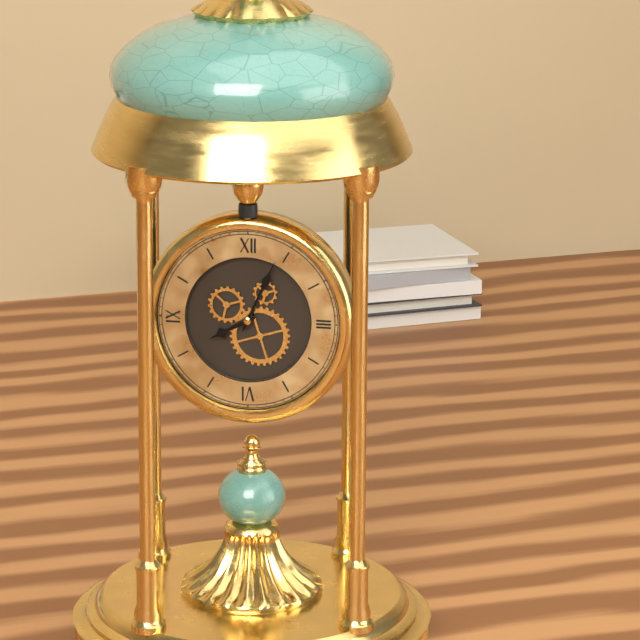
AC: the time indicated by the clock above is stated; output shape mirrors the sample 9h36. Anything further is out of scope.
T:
8h04
